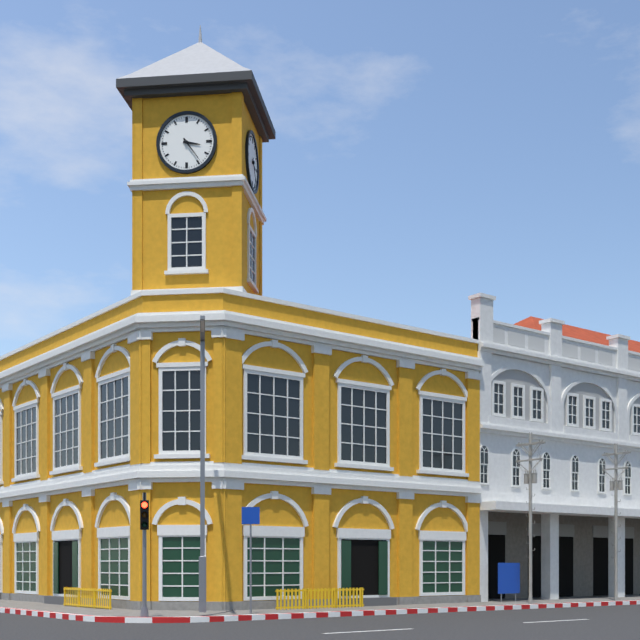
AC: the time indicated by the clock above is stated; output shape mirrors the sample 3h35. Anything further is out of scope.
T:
3h24
